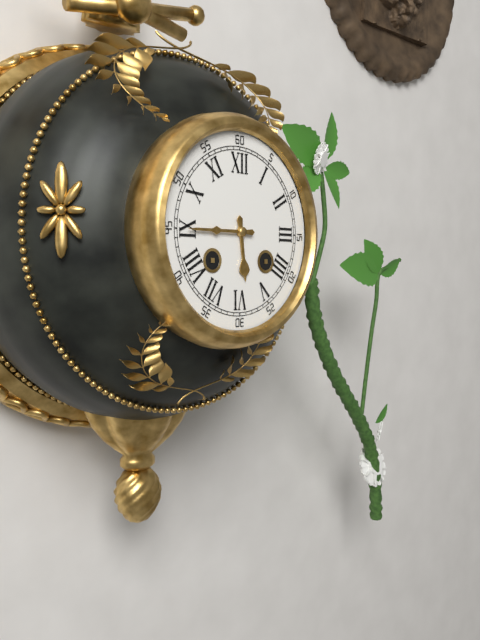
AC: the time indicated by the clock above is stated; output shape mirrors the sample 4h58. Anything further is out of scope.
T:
5h45
